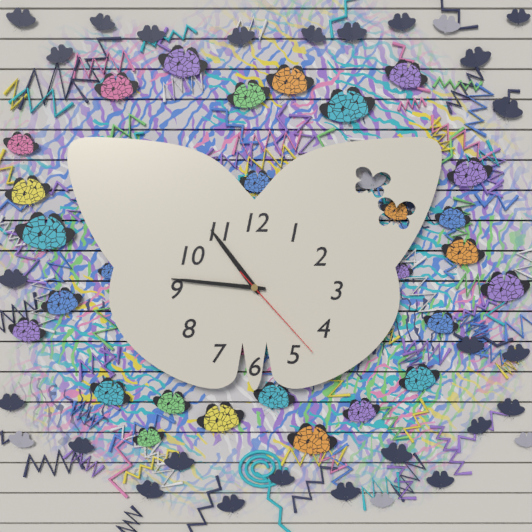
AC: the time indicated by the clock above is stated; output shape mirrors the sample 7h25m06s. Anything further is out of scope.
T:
10h46m23s
